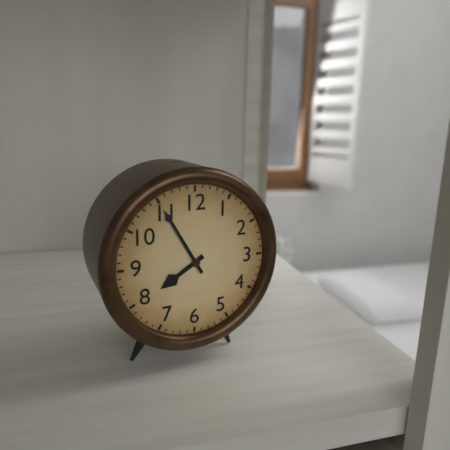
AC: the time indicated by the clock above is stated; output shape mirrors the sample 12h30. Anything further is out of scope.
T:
7h55
